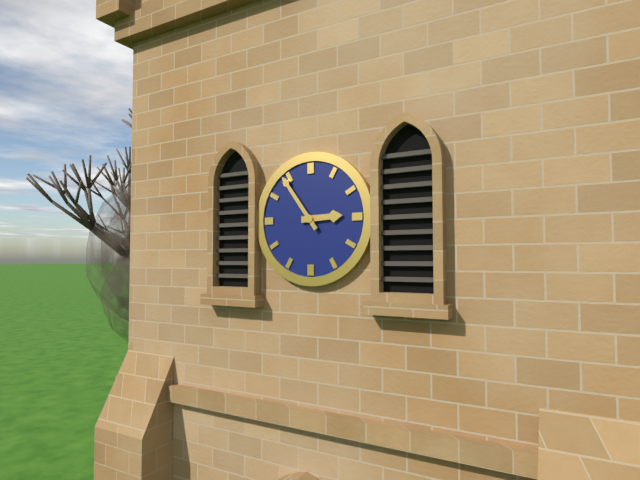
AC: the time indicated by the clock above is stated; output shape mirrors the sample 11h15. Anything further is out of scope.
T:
2h54
